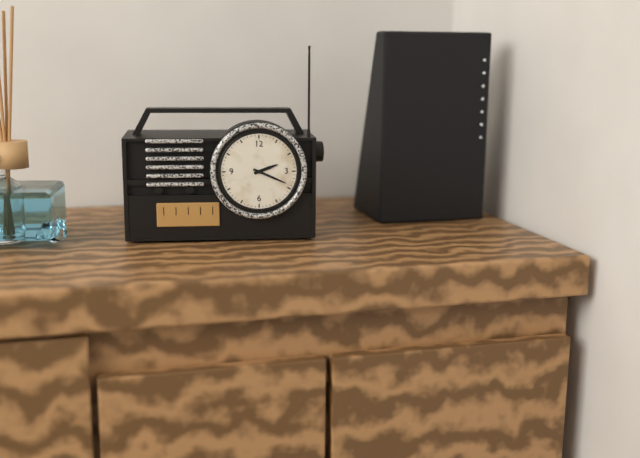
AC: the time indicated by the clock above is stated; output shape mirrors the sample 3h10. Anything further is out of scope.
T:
2h19
